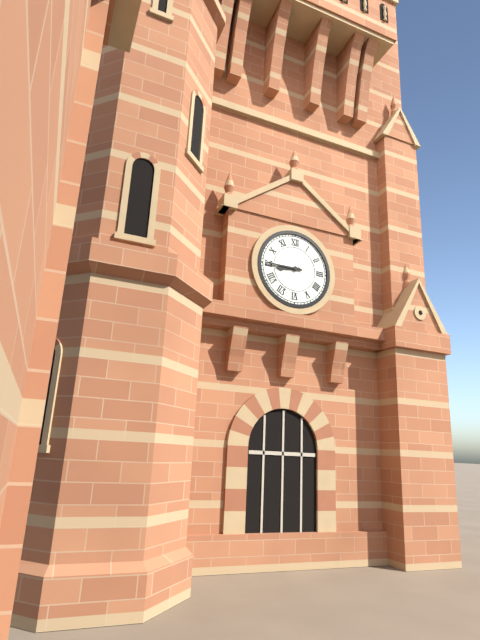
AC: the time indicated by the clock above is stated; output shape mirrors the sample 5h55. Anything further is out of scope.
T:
8h45
